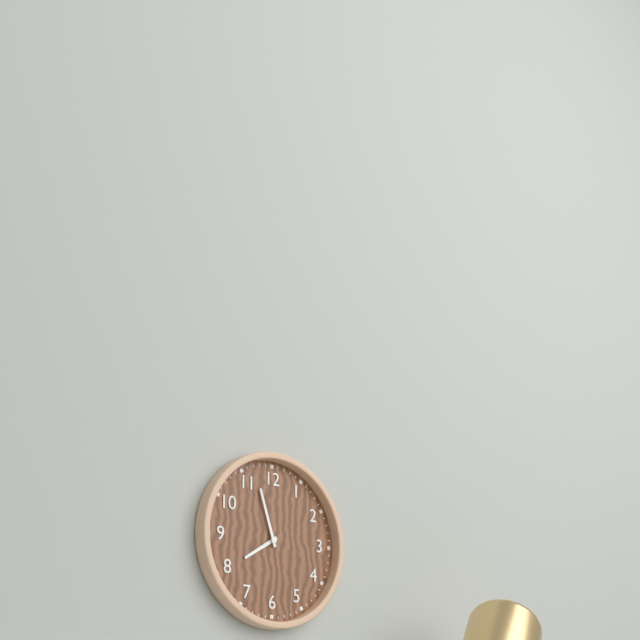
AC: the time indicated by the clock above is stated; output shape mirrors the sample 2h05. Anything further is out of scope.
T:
7h57
